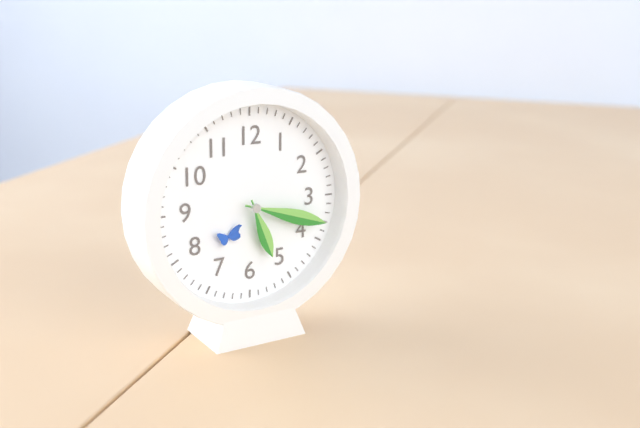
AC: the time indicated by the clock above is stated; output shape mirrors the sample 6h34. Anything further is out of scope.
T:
5h18
